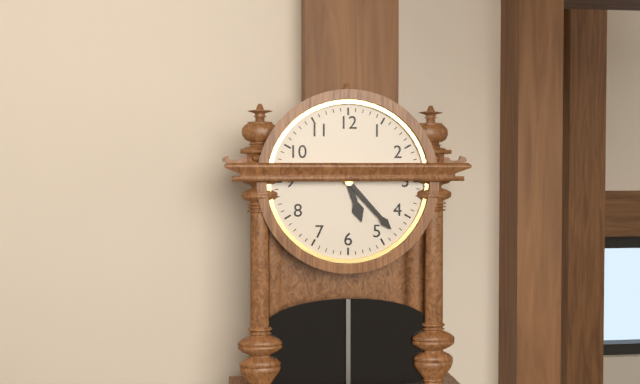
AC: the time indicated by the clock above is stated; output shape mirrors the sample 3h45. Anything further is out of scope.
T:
5h23
